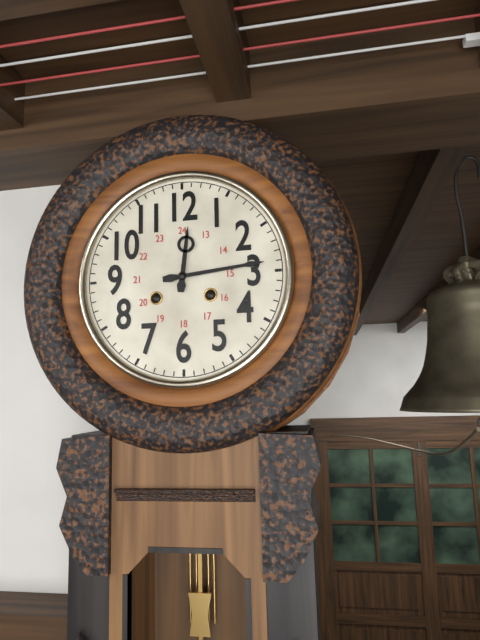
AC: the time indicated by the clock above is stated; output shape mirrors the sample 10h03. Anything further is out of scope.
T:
12h14
